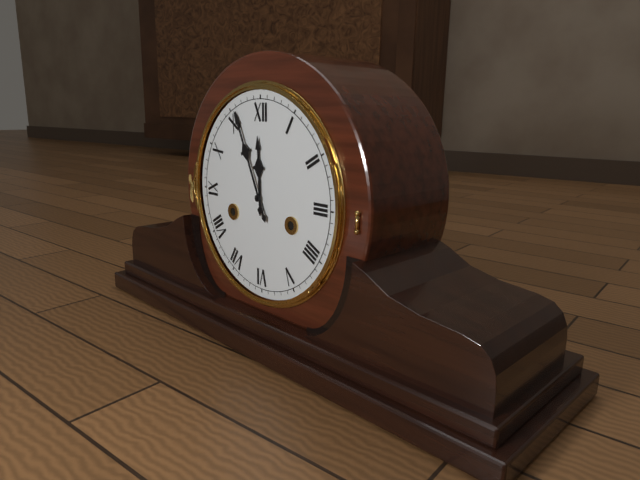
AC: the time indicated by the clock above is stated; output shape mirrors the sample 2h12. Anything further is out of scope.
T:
11h56
